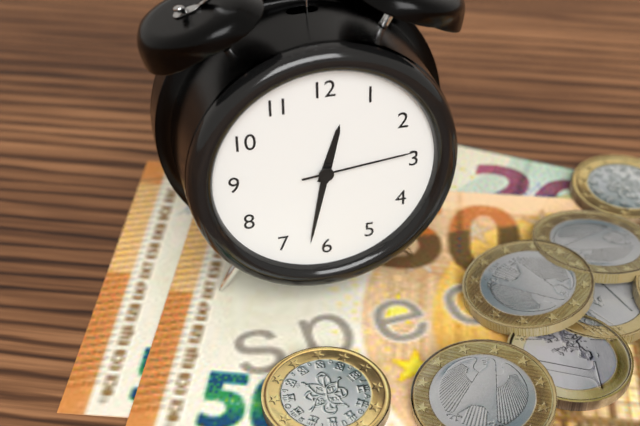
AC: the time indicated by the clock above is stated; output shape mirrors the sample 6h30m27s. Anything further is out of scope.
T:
12h32m14s
